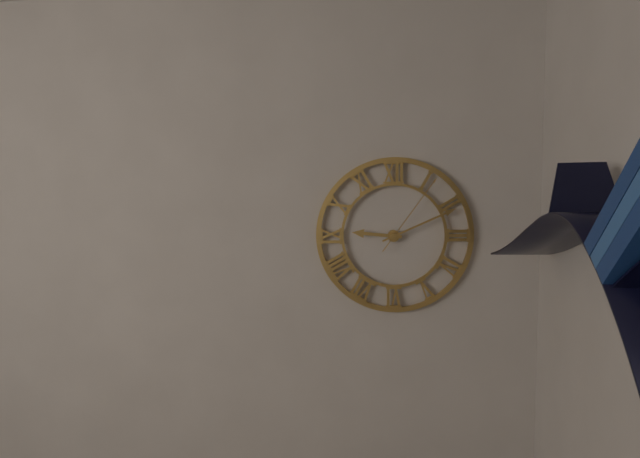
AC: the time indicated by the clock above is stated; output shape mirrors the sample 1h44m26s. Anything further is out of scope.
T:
9h11m06s
